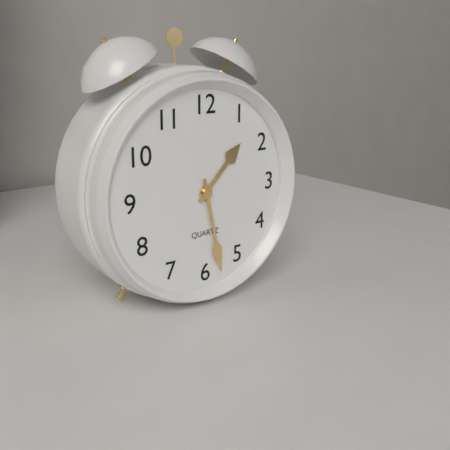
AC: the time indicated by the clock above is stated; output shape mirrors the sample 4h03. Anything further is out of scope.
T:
1h28
